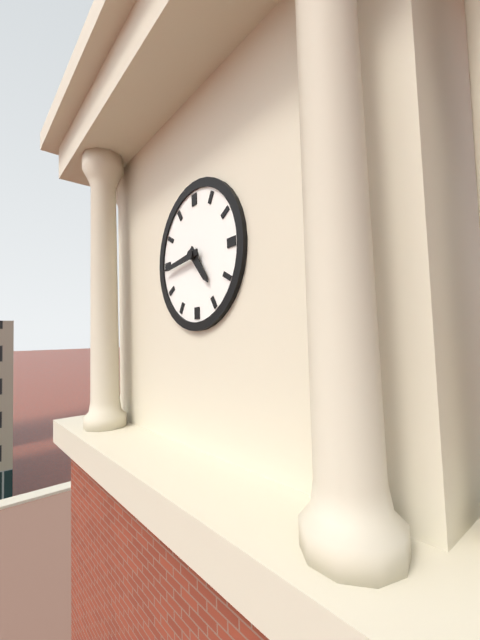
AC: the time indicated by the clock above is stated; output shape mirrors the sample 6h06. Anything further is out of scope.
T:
4h44
